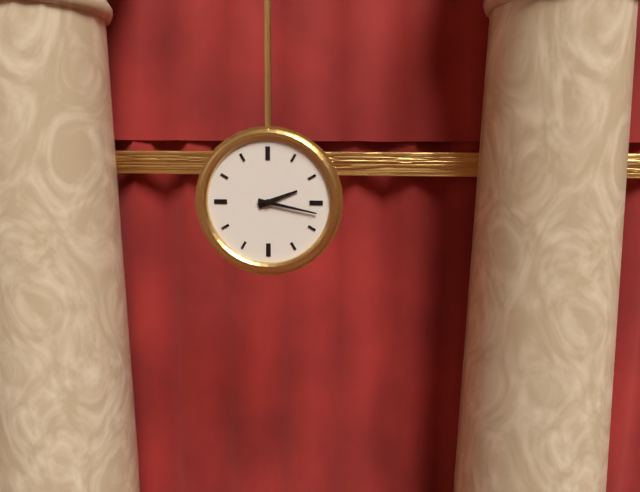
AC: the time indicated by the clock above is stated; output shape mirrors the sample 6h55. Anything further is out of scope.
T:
2h17
